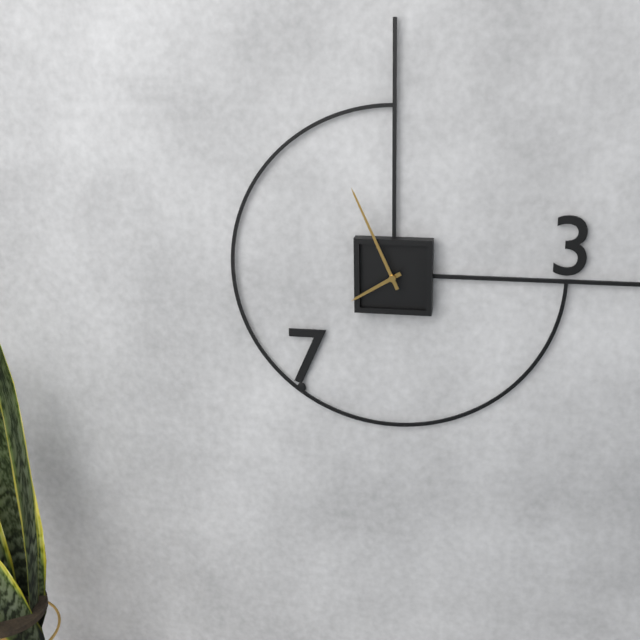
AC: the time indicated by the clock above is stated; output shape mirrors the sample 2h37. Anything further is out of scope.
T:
7h56
